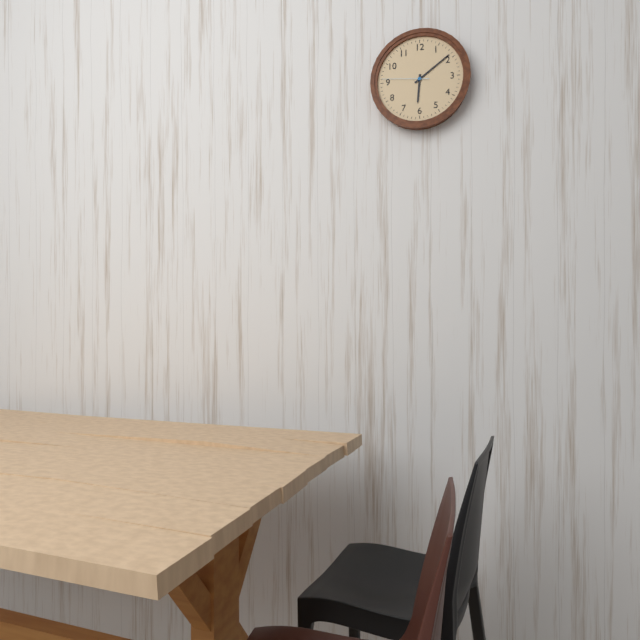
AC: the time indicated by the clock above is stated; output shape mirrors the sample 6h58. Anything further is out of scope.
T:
6h09
